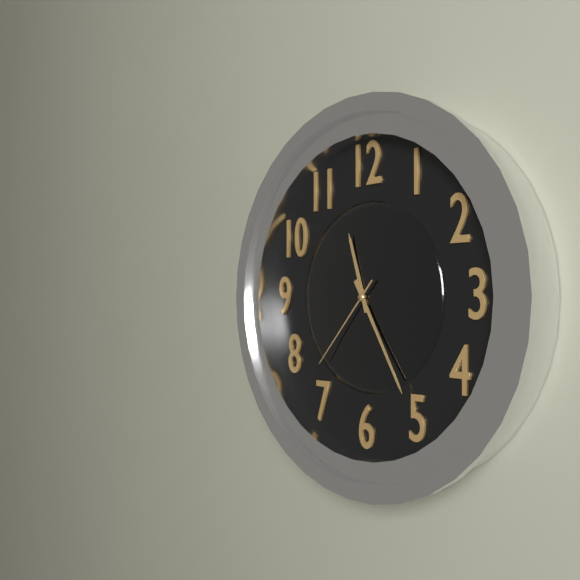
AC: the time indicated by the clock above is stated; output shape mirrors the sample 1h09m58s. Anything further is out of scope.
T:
11h25m37s
